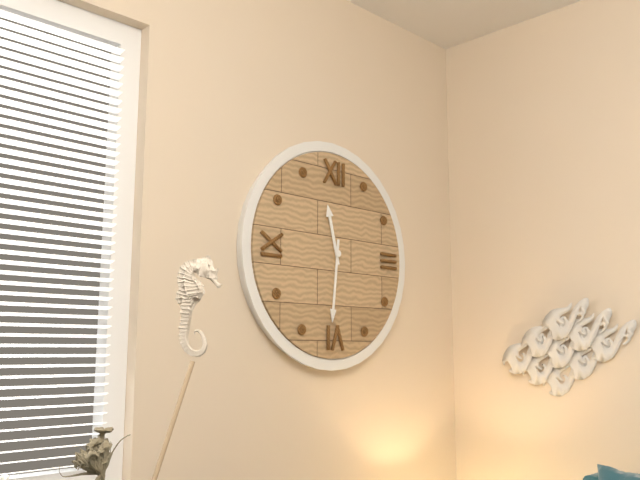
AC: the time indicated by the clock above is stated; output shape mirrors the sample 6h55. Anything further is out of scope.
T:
11h31
